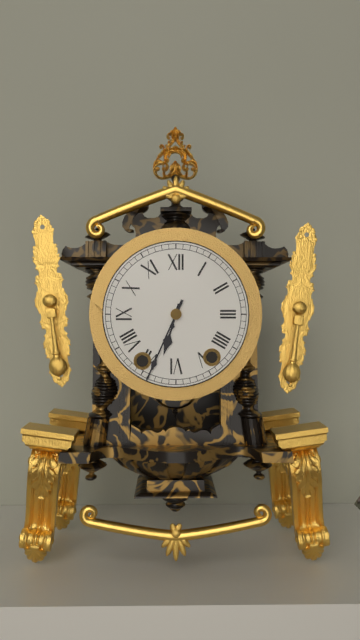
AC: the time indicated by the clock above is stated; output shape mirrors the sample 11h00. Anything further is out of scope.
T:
6h34
